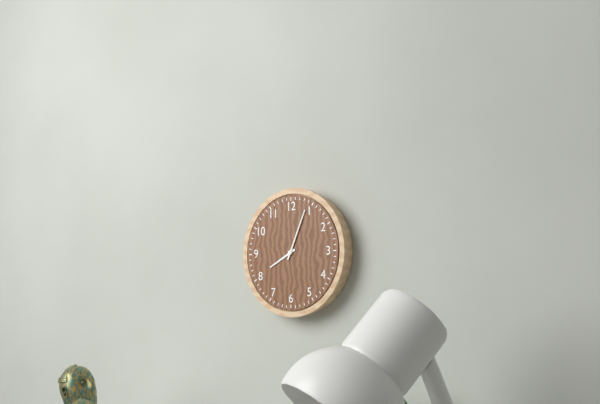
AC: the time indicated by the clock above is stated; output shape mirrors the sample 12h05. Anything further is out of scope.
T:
8h04
